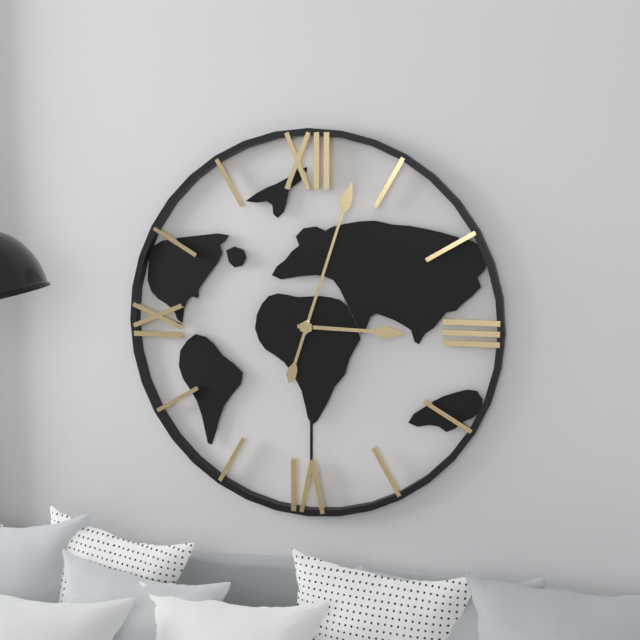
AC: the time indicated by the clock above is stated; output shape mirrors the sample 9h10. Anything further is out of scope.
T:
3h03
